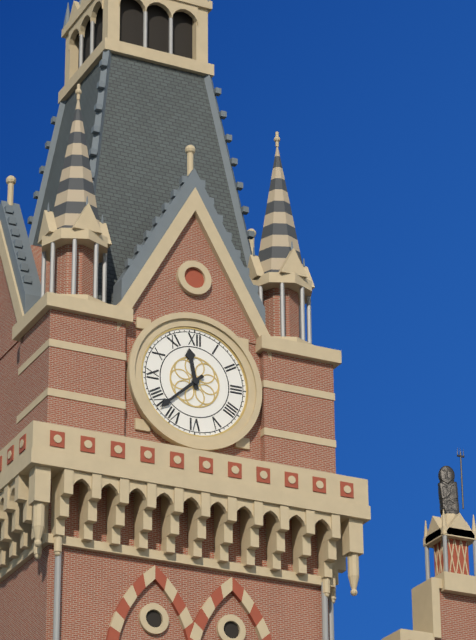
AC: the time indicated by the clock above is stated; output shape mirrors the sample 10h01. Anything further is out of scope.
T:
11h38
